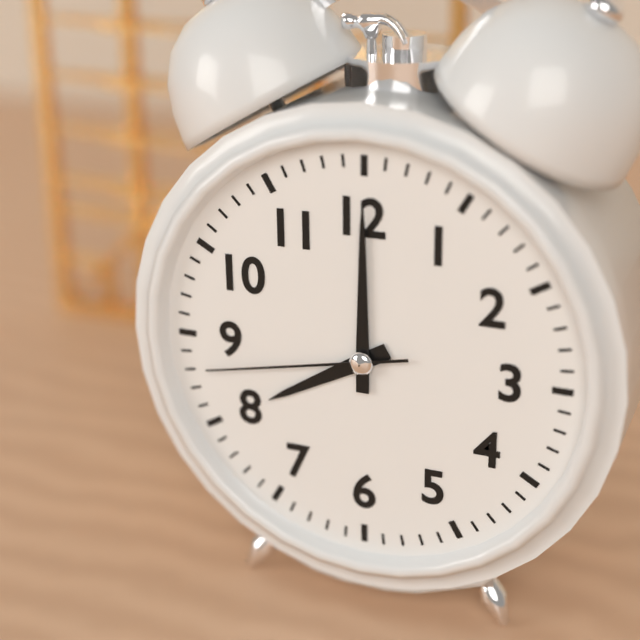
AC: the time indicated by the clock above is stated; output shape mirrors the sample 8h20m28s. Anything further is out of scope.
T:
8h00m43s
